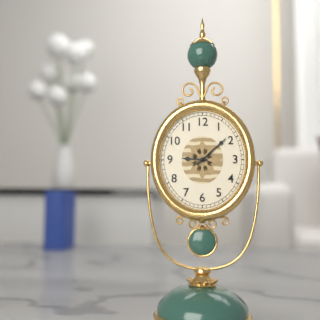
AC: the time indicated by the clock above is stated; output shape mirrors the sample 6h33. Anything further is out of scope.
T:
9h08
